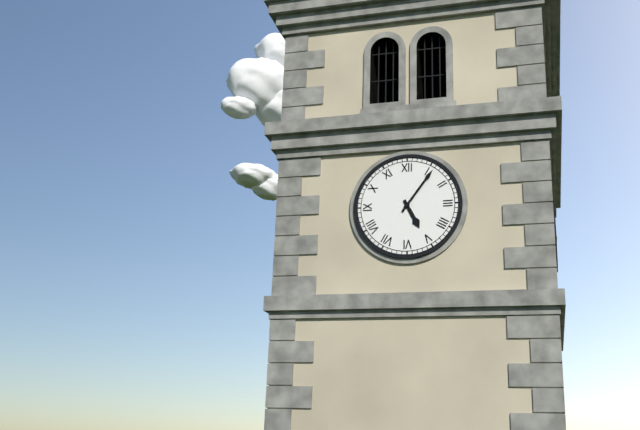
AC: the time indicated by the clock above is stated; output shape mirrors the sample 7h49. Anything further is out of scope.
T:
5h06
